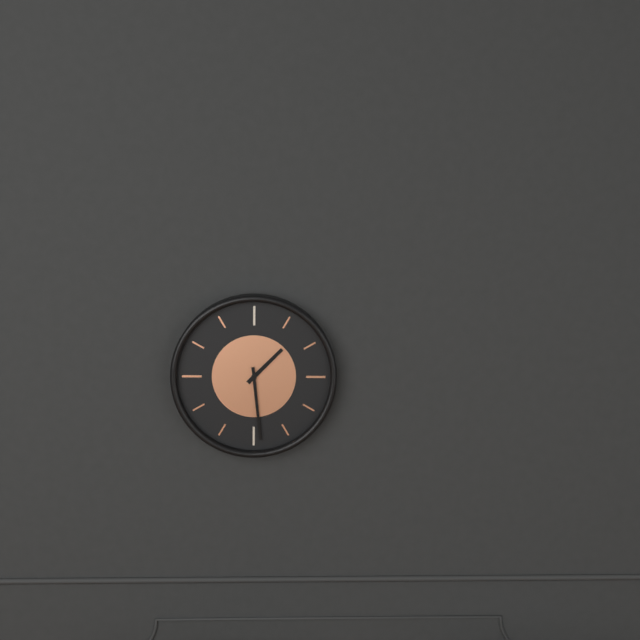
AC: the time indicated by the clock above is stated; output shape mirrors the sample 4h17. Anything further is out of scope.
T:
1h29
